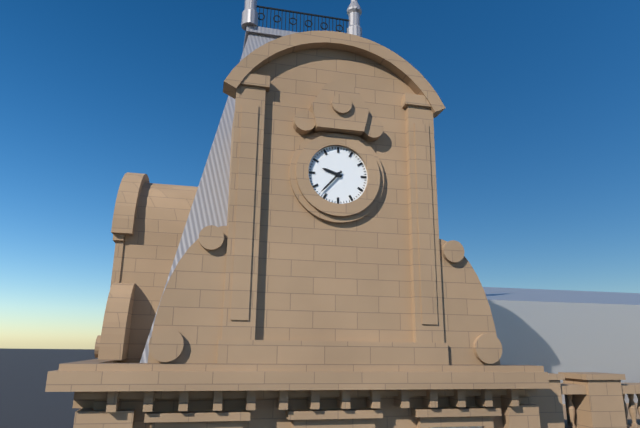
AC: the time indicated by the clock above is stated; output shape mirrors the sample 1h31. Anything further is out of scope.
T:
9h37
